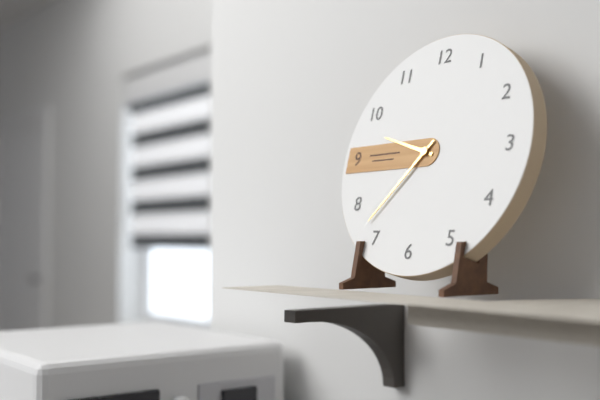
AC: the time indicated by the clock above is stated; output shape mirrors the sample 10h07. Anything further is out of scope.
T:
9h37
